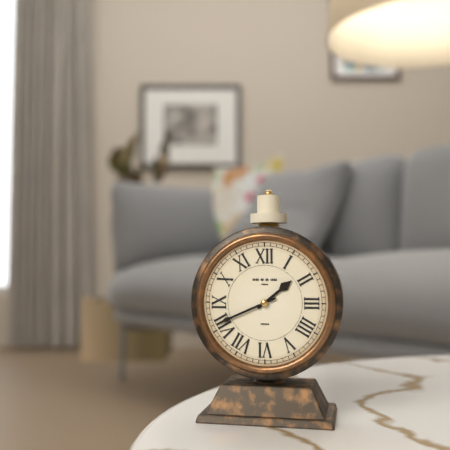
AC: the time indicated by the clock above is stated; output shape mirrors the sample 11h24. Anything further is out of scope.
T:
1h41
